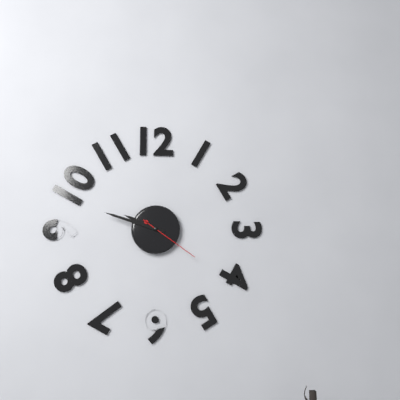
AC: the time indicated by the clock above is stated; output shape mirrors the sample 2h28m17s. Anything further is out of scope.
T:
9h48m21s
